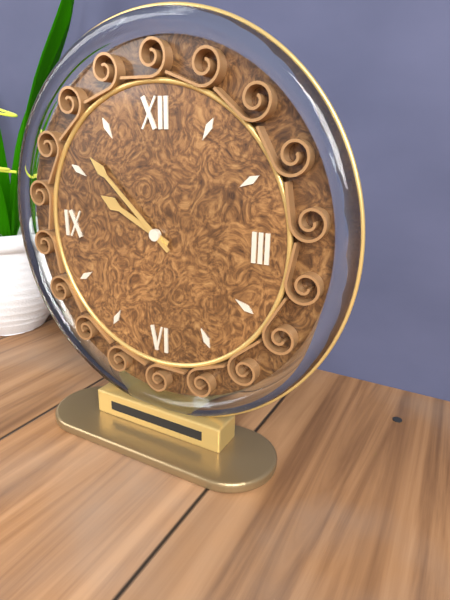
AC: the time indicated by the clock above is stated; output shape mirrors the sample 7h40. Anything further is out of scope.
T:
9h52
